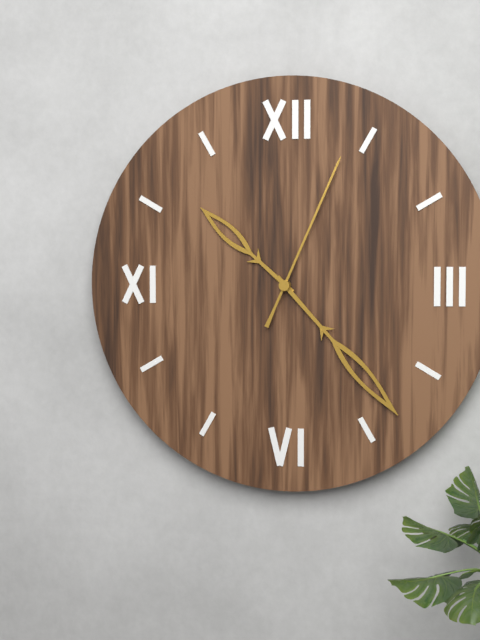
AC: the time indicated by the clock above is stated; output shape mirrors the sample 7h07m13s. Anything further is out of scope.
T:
10h23m04s
